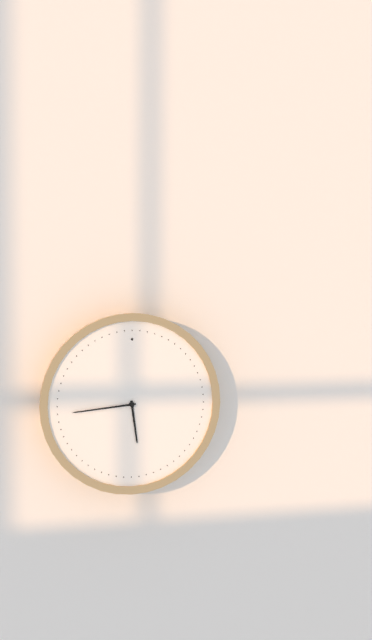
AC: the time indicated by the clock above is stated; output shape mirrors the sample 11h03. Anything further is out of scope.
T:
5h44
